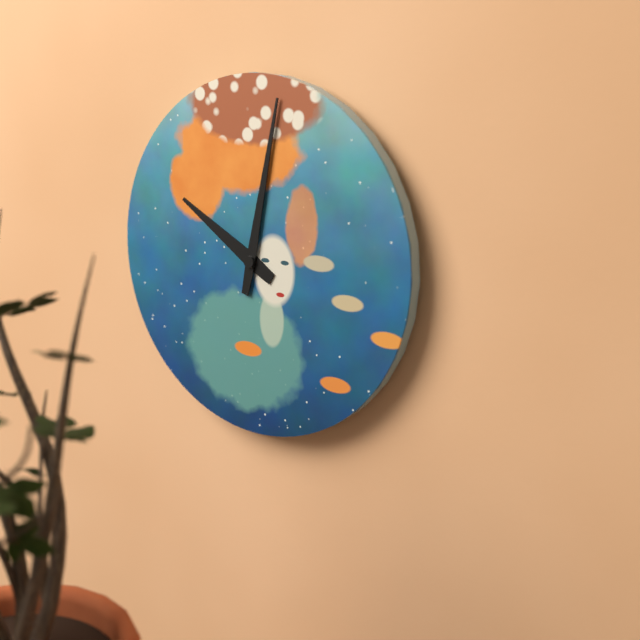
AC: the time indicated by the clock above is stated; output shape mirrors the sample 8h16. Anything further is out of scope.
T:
10h02
